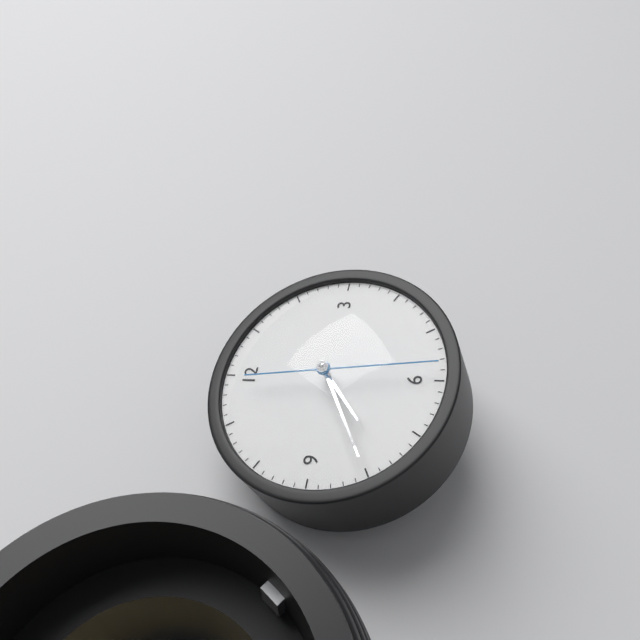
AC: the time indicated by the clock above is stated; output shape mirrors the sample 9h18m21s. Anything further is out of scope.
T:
7h40m29s
